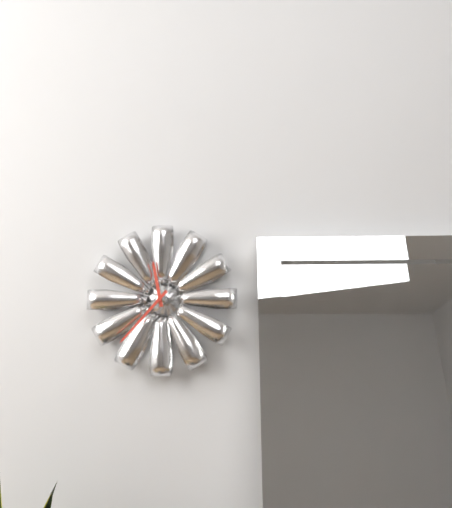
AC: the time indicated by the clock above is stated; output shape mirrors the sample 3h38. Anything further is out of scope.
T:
11h37
